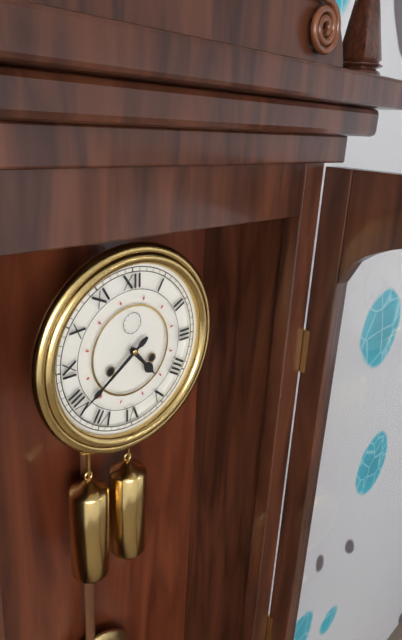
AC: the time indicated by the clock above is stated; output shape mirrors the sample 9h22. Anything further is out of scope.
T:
4h39
